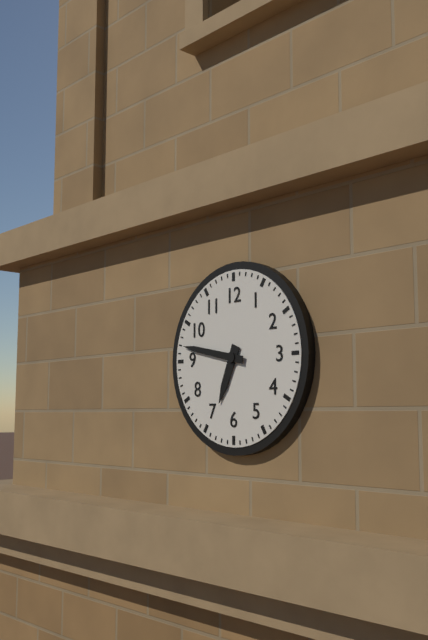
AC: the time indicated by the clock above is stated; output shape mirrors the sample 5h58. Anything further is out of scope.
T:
6h47
